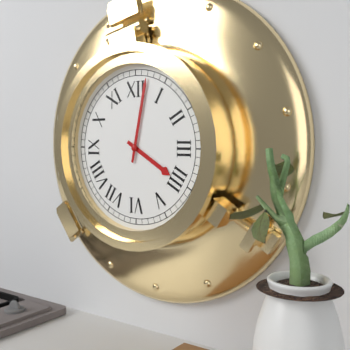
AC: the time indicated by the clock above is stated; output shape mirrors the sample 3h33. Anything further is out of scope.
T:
4h02
